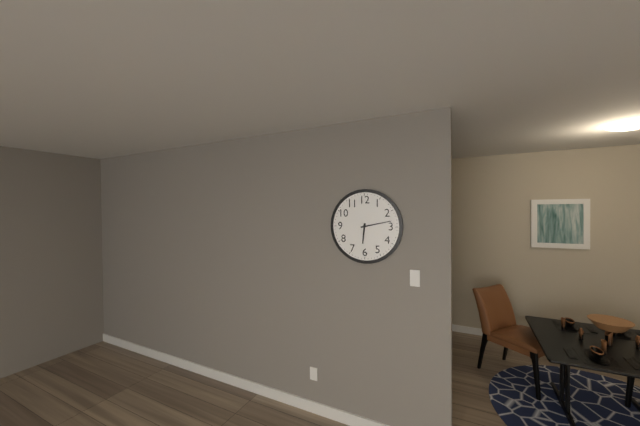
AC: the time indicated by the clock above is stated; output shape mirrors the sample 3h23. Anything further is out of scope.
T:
6h13
